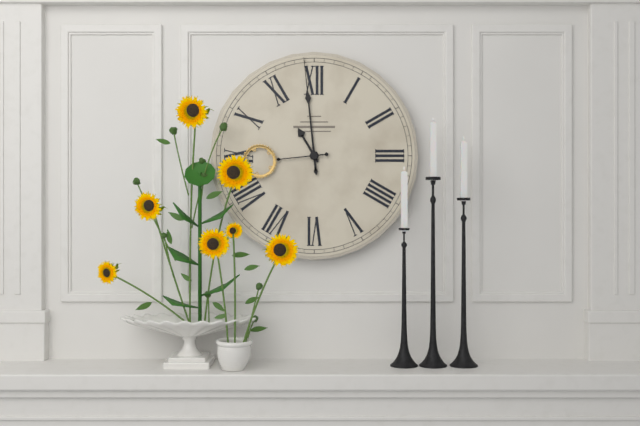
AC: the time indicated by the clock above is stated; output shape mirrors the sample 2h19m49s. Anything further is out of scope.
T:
10h59m44s
